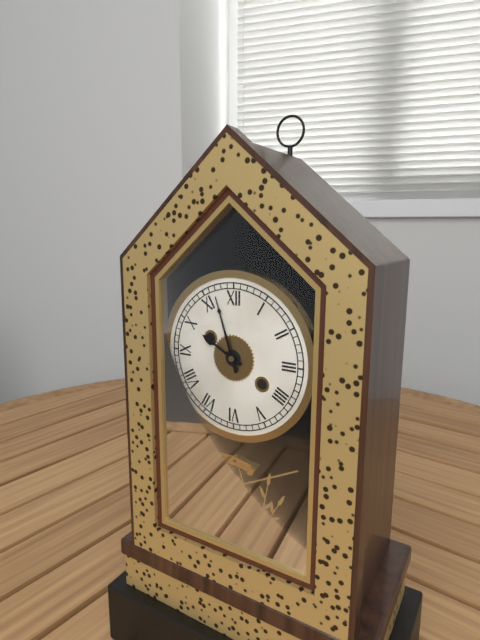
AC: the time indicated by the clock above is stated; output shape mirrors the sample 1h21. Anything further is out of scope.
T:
9h57
